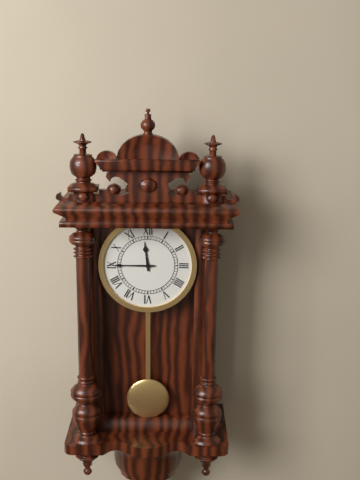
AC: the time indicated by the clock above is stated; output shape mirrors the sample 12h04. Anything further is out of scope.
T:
11h45
